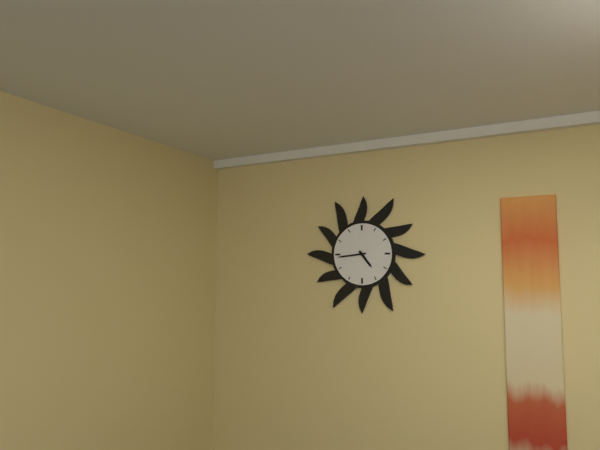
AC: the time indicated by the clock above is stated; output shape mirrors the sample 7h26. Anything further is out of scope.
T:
4h44
